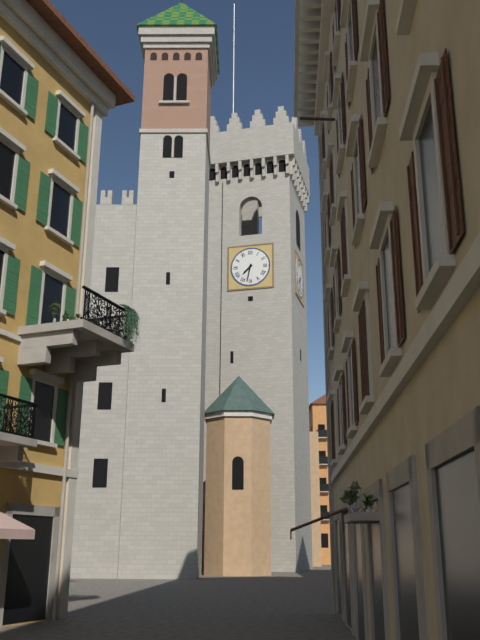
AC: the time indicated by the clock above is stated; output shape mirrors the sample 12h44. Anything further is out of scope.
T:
7h32
